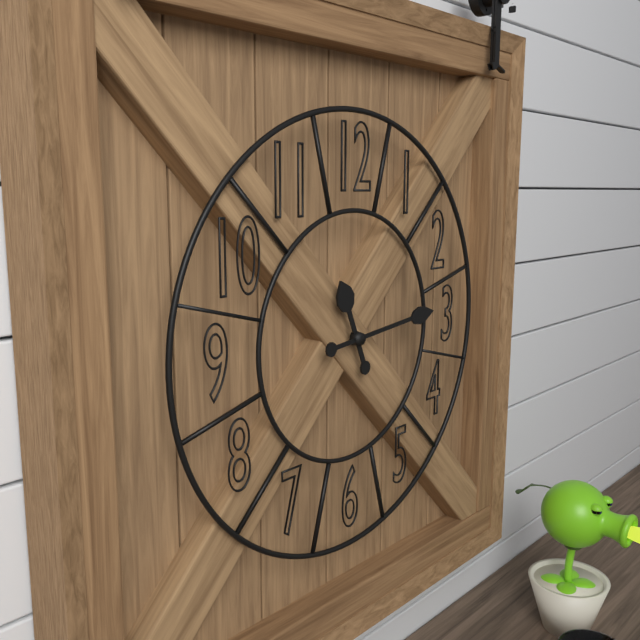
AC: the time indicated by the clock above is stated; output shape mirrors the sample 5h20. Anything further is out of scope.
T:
11h14
